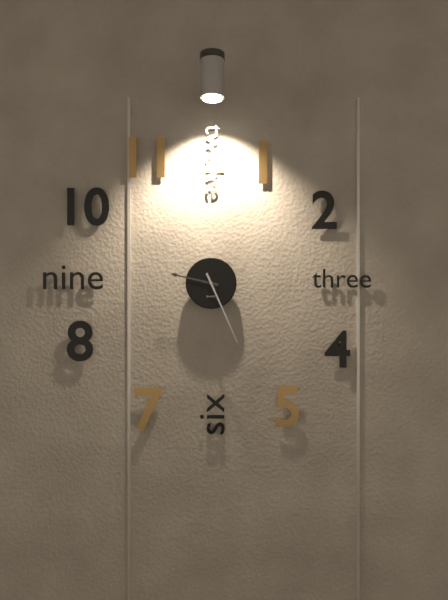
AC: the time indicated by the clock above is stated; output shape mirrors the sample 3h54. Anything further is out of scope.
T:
9h26
